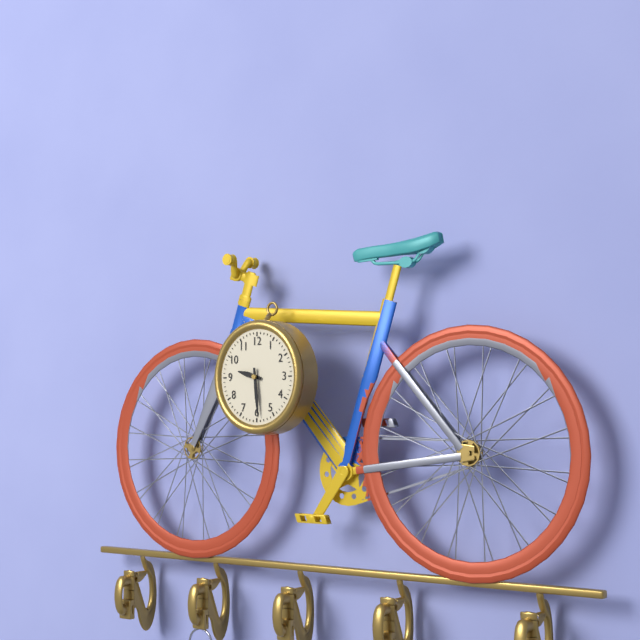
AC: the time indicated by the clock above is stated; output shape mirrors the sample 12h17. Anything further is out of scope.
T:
9h29
